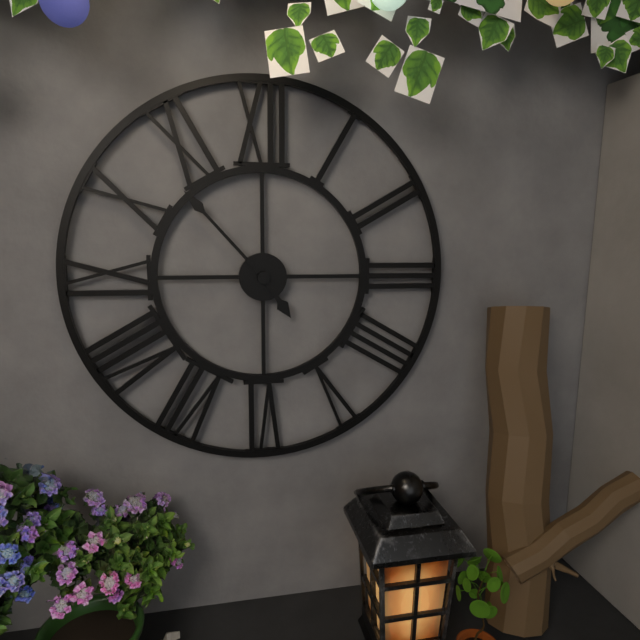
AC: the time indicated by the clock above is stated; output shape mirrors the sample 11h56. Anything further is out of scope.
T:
4h53
